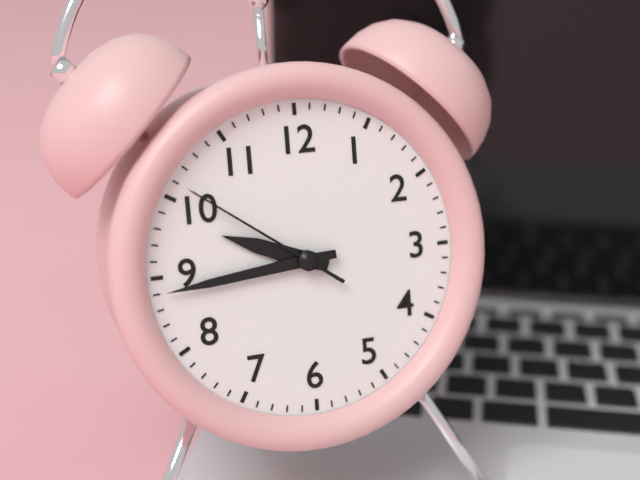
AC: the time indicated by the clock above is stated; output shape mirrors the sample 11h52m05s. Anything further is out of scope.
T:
9h44m51s
